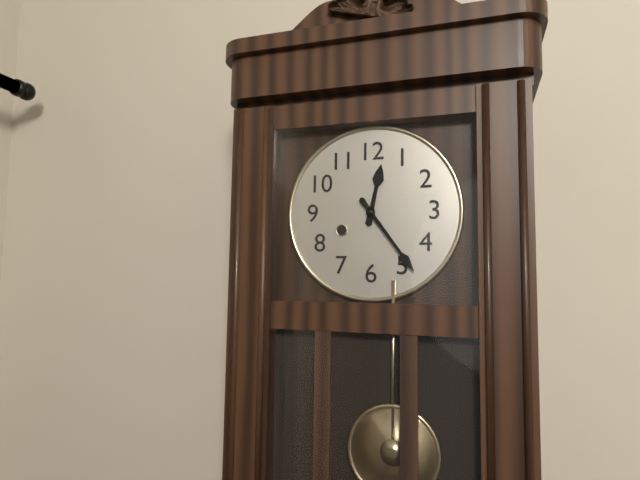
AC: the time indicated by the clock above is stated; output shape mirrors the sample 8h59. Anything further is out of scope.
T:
12h24
